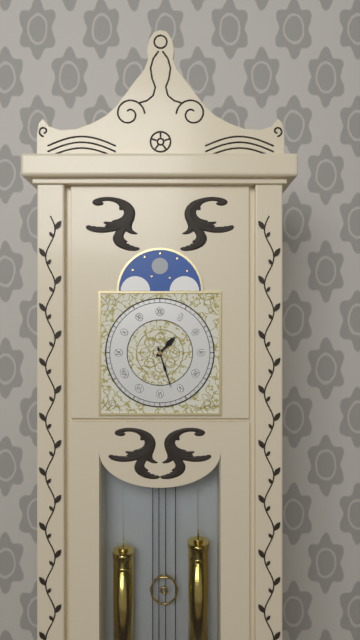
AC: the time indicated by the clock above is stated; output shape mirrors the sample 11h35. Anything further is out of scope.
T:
1h27
